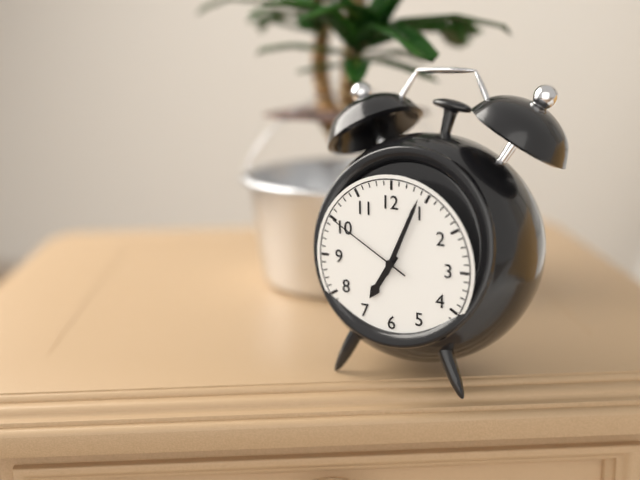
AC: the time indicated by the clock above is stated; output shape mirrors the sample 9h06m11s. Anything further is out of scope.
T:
7h04m50s
